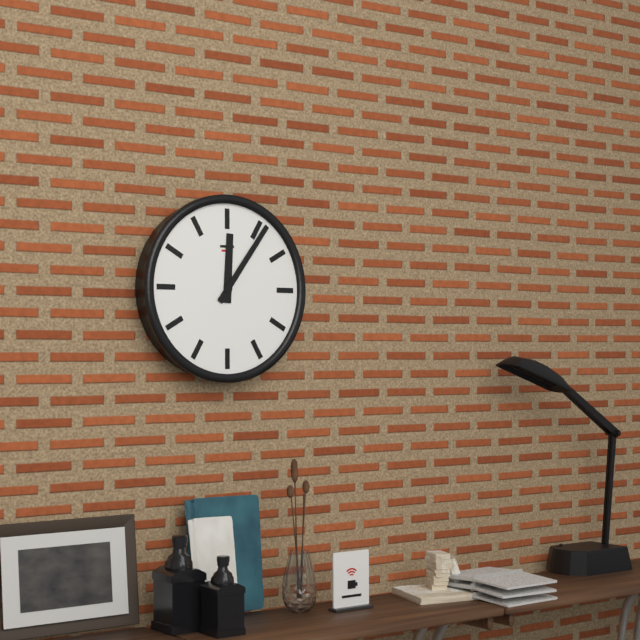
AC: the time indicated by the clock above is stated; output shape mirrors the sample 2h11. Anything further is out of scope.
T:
12h06
